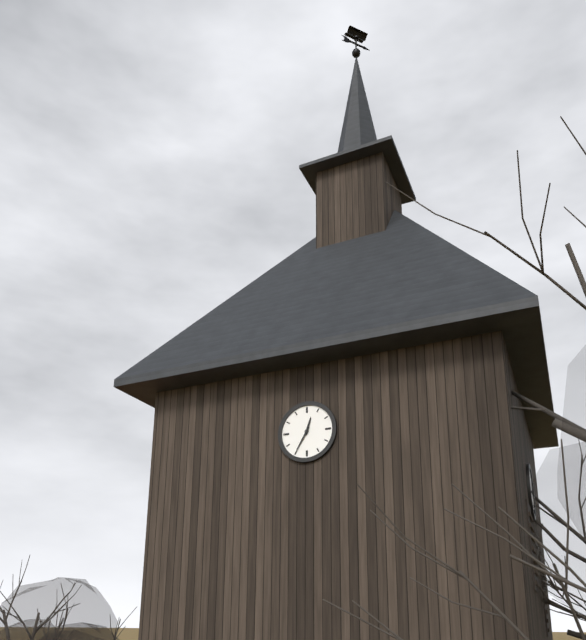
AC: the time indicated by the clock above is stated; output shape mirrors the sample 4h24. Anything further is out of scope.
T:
12h35
